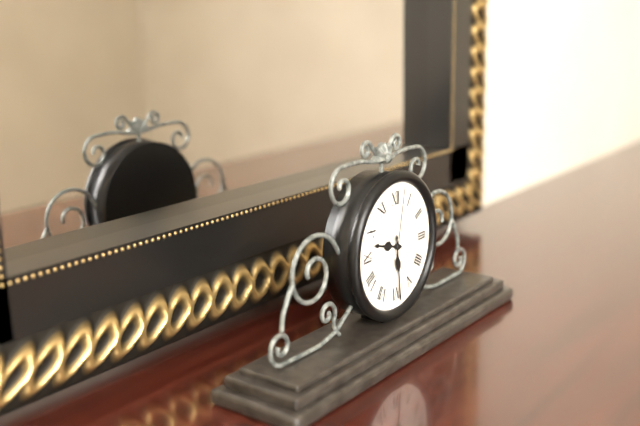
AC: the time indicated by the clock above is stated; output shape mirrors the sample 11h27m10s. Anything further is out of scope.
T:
9h29m02s
